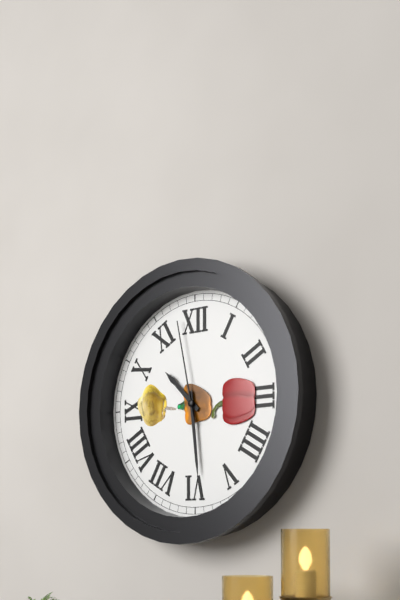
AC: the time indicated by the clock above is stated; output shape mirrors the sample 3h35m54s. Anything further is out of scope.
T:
10h29m58s
